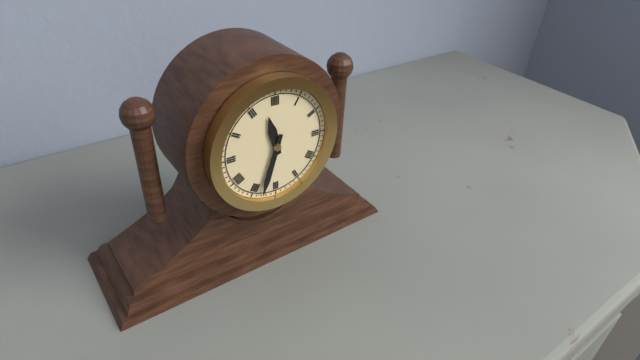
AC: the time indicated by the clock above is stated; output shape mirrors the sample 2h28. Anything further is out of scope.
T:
11h33
